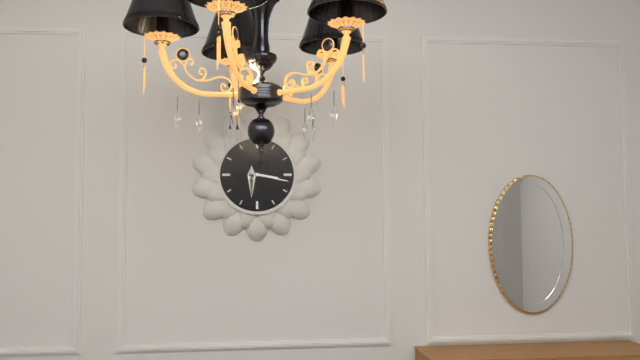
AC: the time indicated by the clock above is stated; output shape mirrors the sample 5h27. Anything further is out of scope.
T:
3h17
